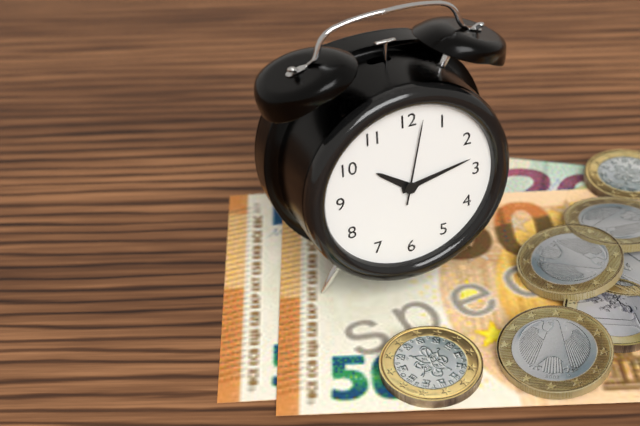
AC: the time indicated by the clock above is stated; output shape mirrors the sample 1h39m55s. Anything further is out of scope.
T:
10h13m02s
